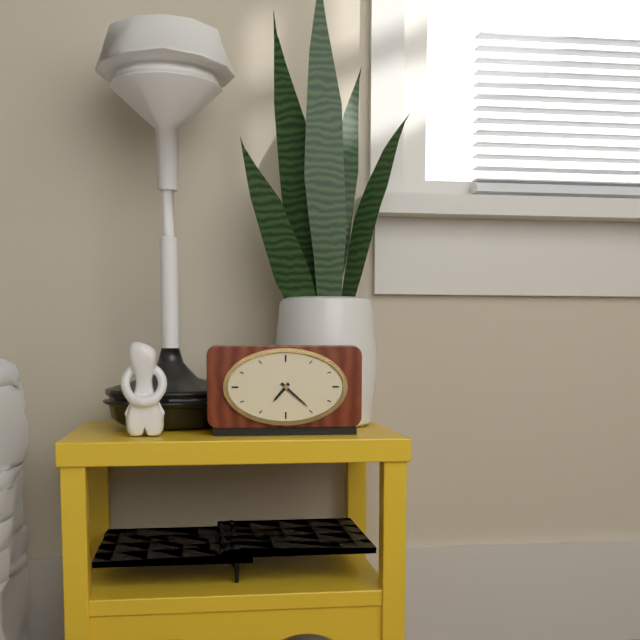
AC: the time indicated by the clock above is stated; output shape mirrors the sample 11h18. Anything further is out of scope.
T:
7h22
